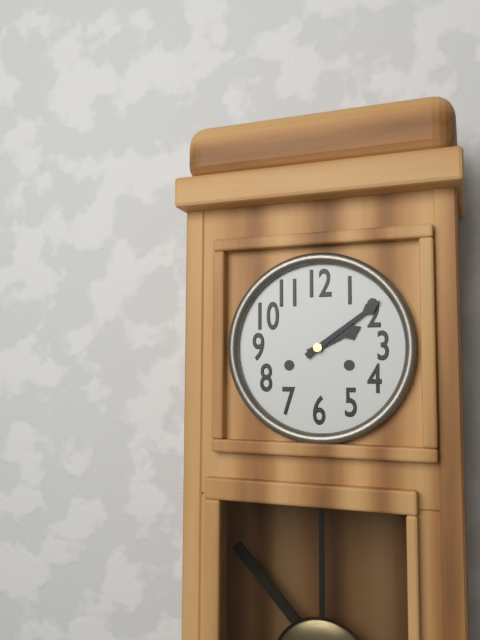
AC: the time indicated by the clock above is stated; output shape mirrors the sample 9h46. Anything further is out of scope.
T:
2h09
